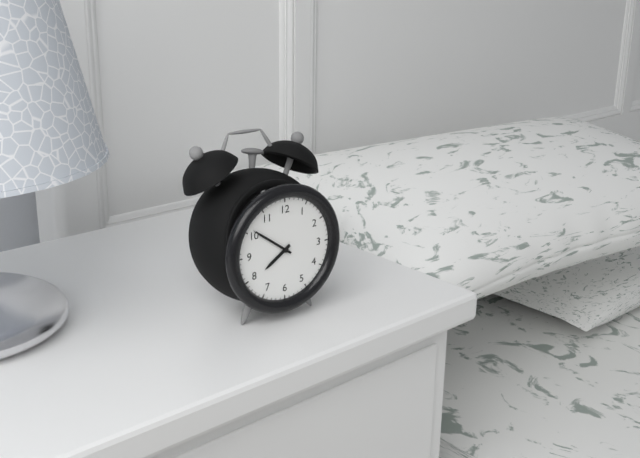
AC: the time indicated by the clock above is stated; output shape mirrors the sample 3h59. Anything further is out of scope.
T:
7h51
